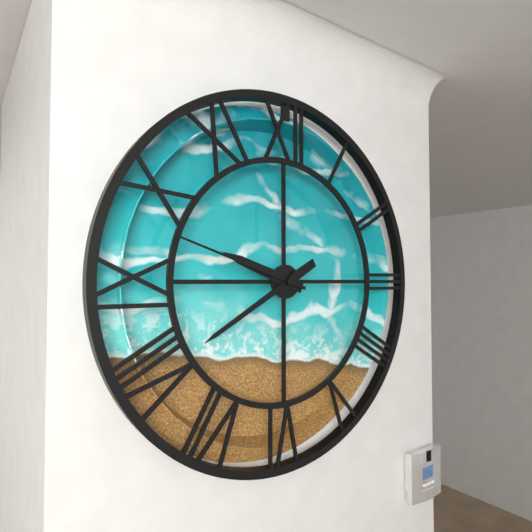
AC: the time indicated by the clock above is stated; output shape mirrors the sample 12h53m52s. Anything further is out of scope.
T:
9h40m48s
